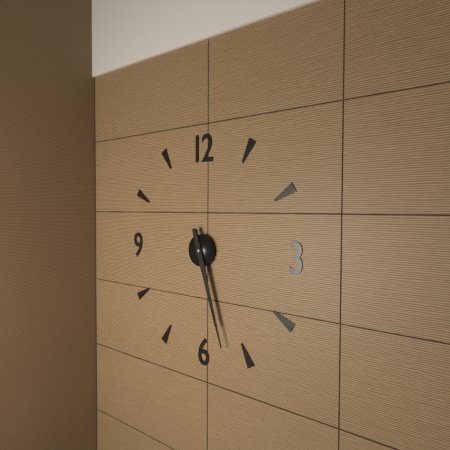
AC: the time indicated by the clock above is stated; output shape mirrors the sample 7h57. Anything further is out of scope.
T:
5h27
